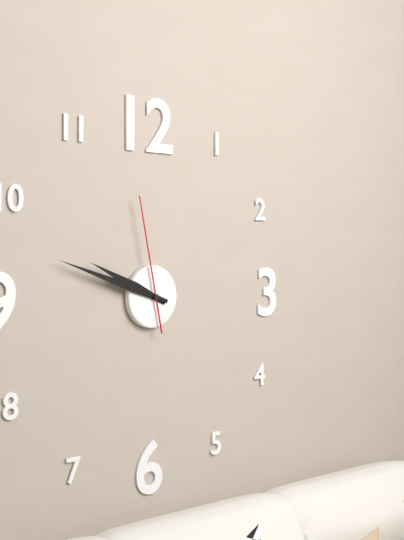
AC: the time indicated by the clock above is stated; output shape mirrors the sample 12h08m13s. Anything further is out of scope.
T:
9h48m58s
